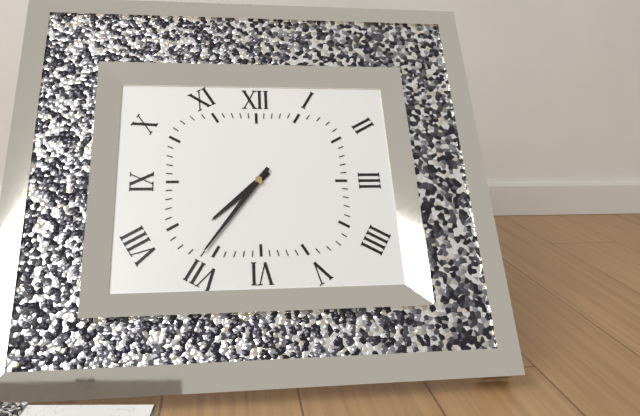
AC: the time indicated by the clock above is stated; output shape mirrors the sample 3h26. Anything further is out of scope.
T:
7h36
